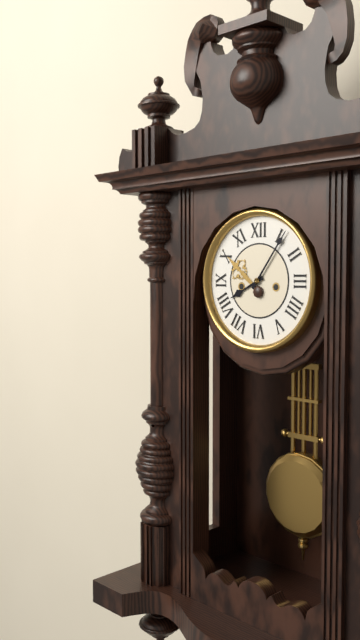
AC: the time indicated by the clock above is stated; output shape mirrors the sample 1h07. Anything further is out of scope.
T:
8h06
